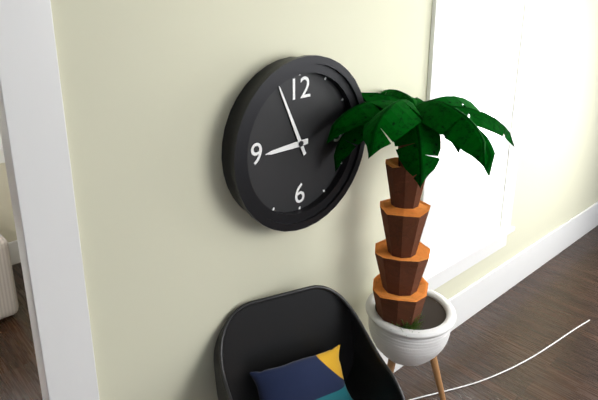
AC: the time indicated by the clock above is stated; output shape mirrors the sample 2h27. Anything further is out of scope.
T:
8h56
